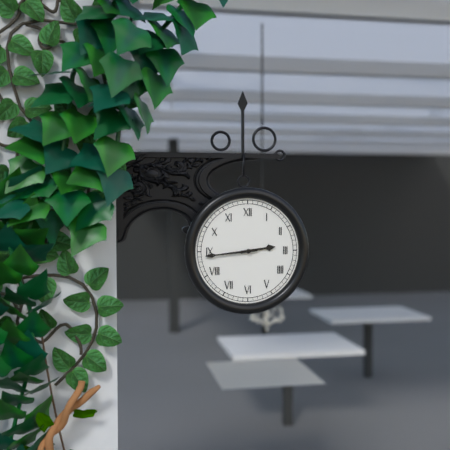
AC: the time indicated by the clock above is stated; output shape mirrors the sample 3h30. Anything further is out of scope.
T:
2h44
